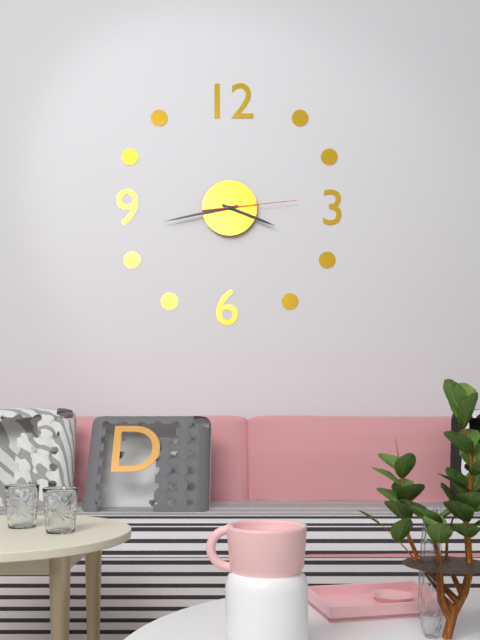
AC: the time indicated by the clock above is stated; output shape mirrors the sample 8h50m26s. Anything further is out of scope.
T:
3h43m14s
